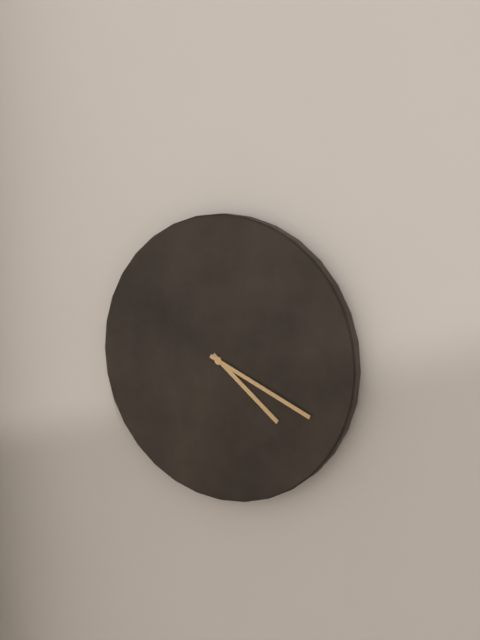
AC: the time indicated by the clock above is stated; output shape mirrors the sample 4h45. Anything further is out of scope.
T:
4h19
